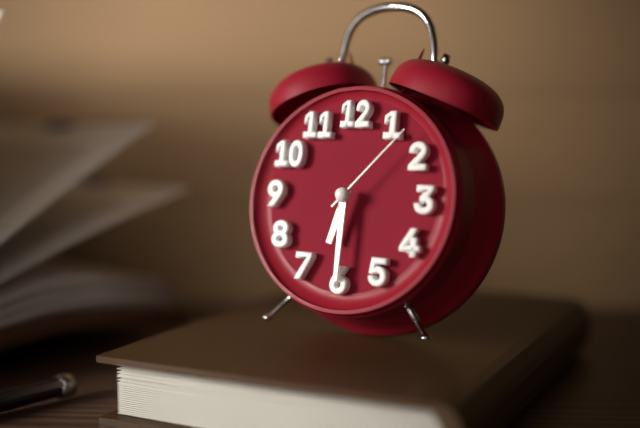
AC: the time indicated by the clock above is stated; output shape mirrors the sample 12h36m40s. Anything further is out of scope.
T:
6h30m07s
